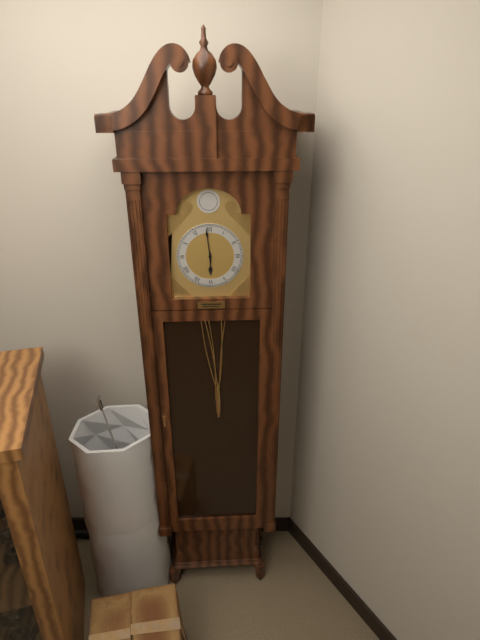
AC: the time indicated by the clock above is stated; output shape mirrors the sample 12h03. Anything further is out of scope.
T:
5h59
